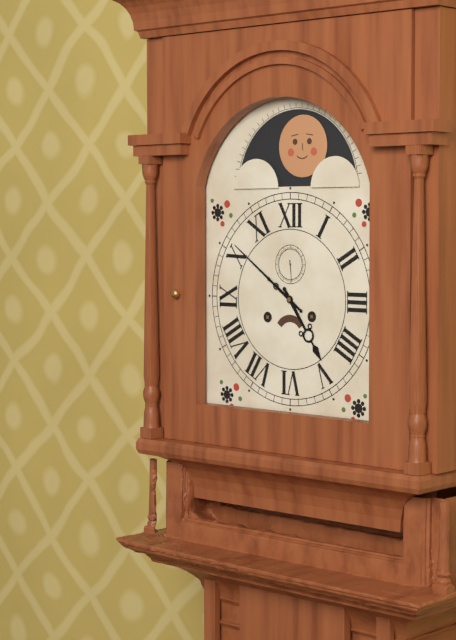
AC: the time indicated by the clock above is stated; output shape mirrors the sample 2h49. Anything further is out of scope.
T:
4h51
